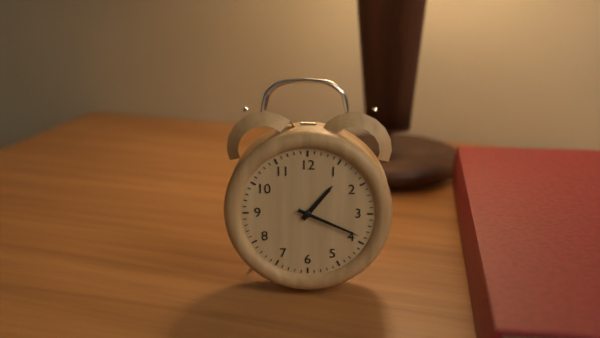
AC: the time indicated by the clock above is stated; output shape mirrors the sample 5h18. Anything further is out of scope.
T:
1h19
